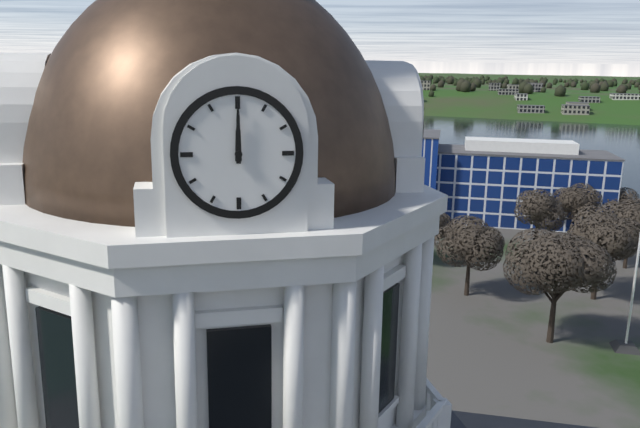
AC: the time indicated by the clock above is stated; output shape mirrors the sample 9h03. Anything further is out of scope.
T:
12h00
